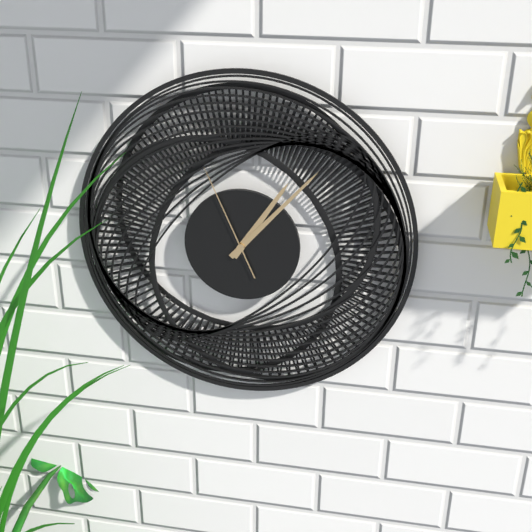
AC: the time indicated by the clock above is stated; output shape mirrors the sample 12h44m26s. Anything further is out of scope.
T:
1h07m56s
